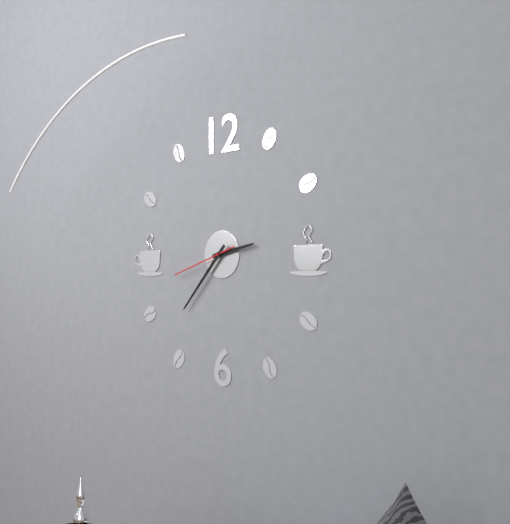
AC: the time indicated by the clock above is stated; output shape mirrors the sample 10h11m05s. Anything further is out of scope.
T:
2h37m42s
